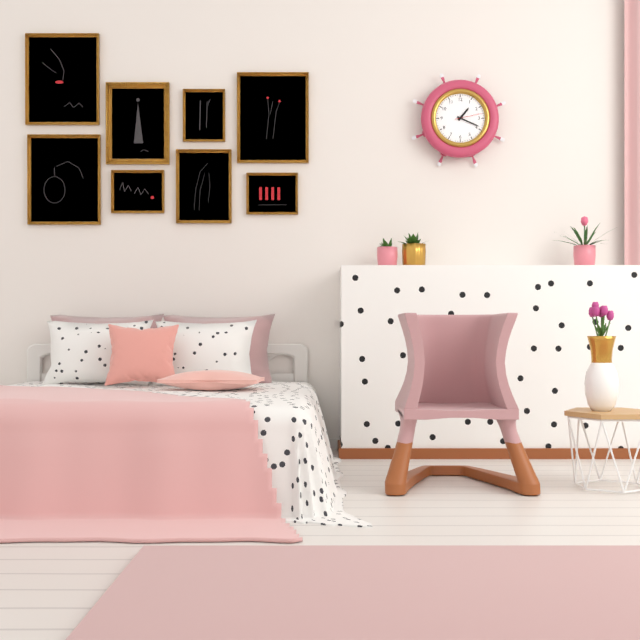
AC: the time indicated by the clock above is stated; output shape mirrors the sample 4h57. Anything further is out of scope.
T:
1h19
